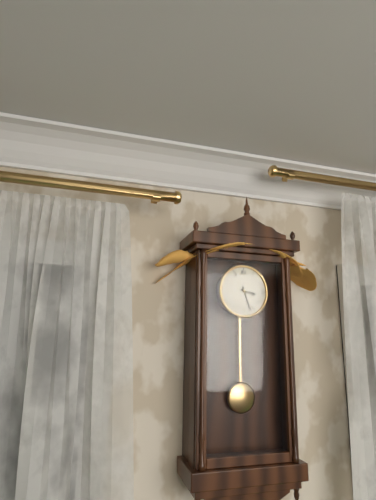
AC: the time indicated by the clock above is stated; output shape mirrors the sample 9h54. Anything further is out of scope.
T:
3h27
